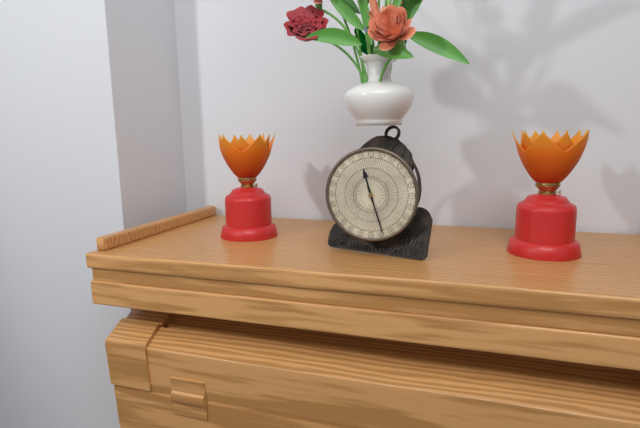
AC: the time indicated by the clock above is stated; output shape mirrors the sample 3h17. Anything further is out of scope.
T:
11h27
